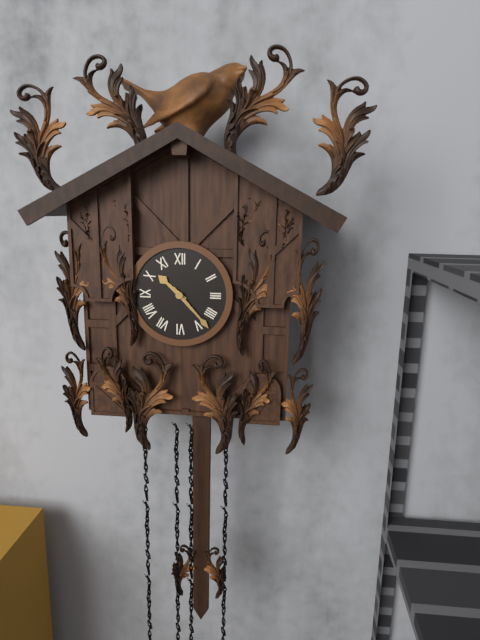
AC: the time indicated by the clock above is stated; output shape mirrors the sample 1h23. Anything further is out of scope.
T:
10h23
